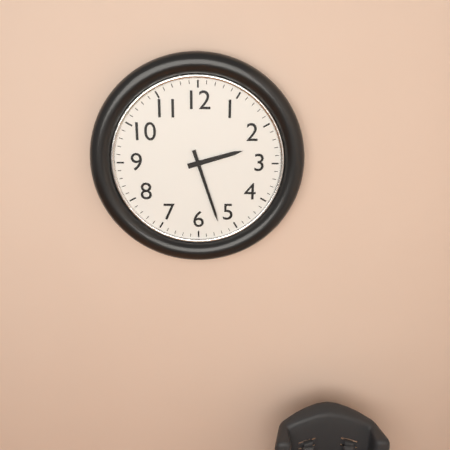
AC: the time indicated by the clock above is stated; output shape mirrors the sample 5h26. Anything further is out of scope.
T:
2h27
